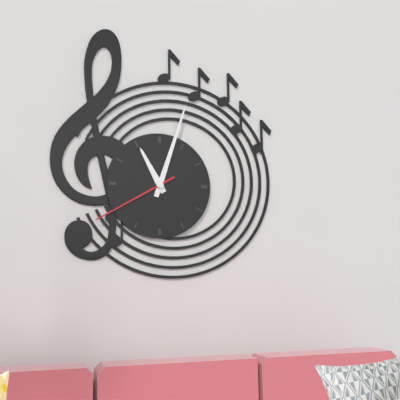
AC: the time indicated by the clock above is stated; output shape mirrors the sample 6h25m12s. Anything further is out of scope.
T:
11h03m40s
